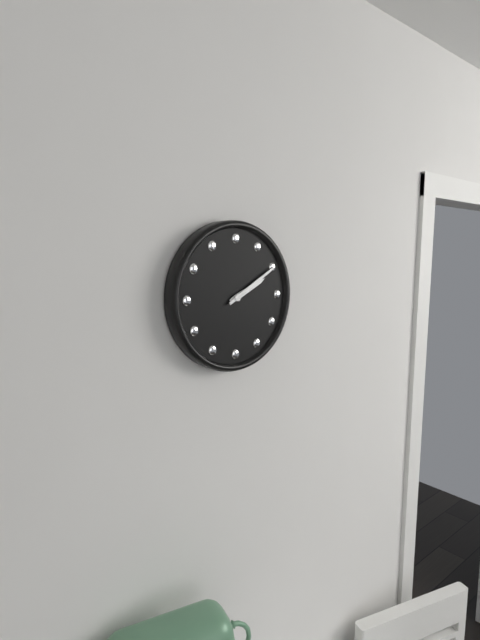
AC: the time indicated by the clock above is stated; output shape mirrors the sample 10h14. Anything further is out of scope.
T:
2h10
